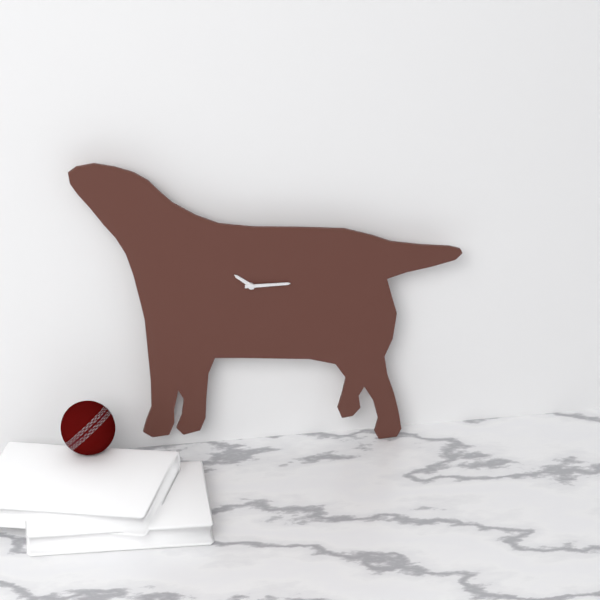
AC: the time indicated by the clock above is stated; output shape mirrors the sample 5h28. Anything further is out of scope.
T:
10h15
